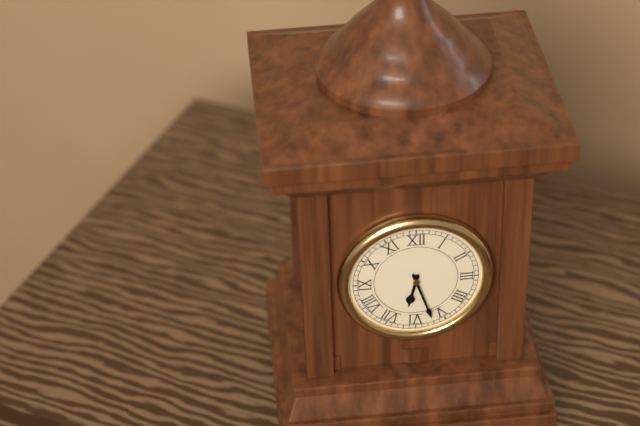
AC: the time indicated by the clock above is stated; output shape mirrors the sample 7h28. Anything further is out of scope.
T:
6h27
